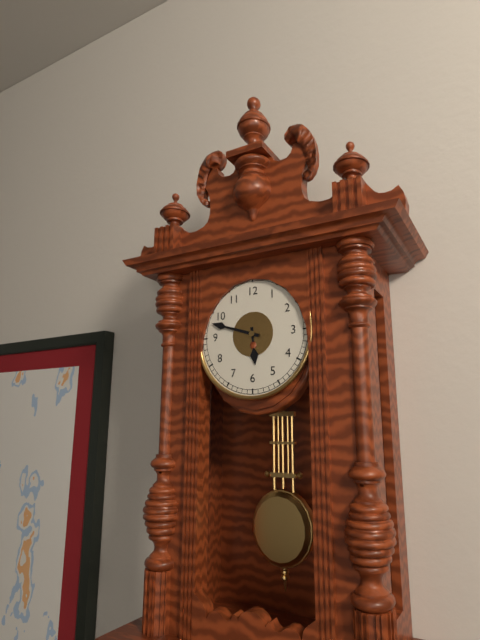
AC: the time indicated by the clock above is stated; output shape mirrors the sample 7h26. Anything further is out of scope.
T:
5h48
